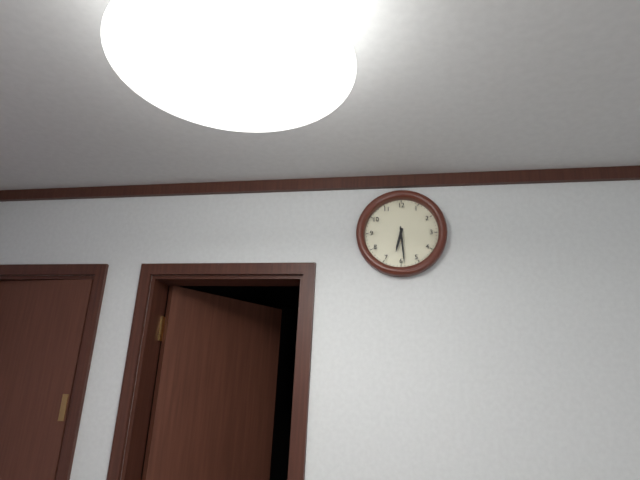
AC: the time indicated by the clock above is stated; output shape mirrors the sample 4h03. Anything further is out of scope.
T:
6h29
